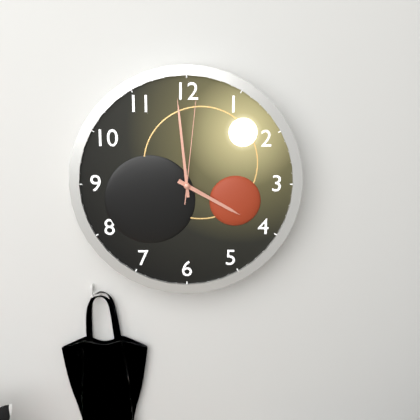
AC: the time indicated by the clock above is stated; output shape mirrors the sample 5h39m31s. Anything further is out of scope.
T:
3h59m01s
